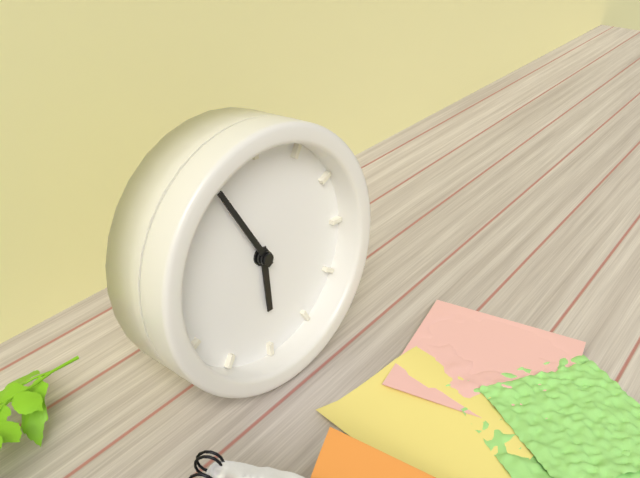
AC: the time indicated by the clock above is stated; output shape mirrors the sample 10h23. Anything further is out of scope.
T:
5h55
